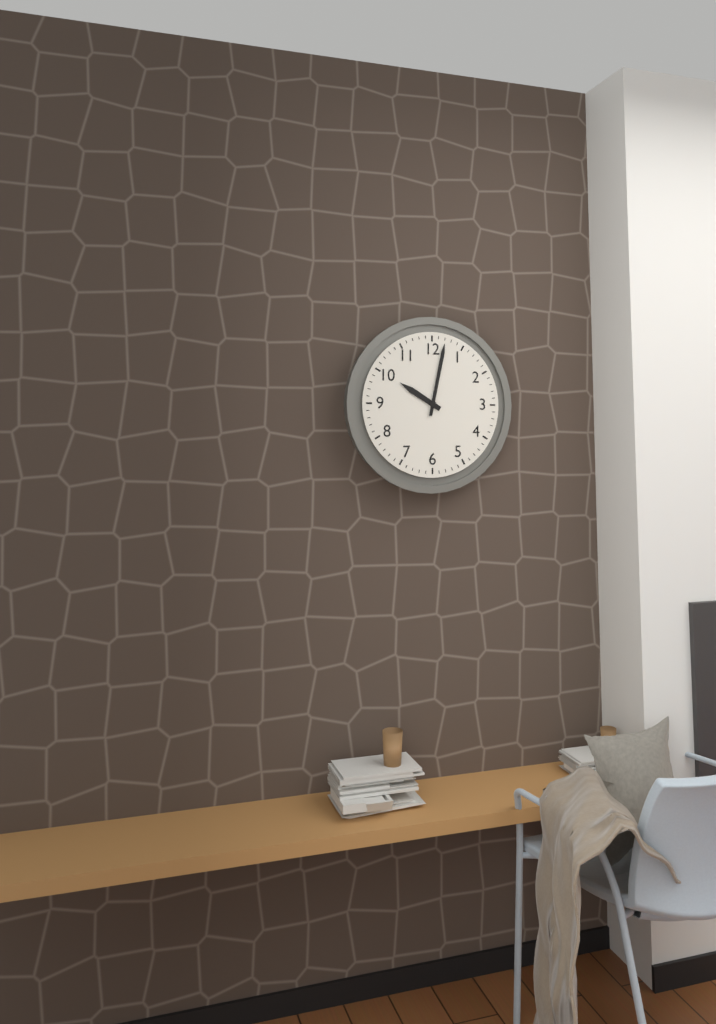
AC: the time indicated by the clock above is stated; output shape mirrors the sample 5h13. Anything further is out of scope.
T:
10h02
